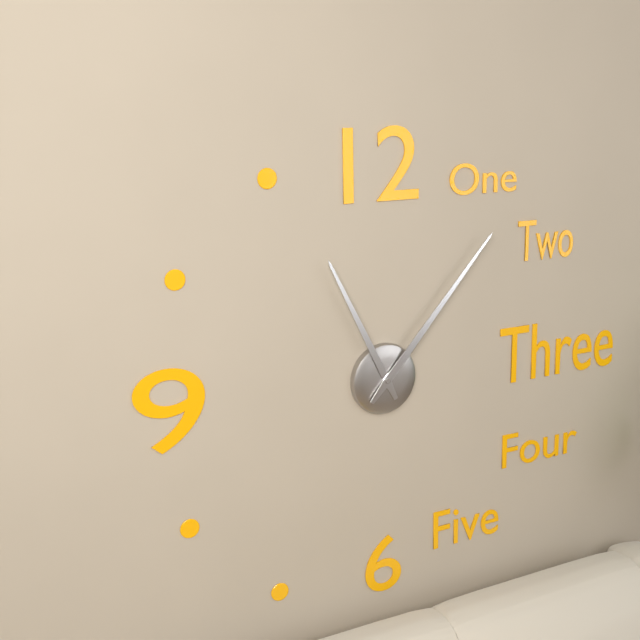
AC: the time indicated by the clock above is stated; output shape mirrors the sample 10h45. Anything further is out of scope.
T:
11h07
